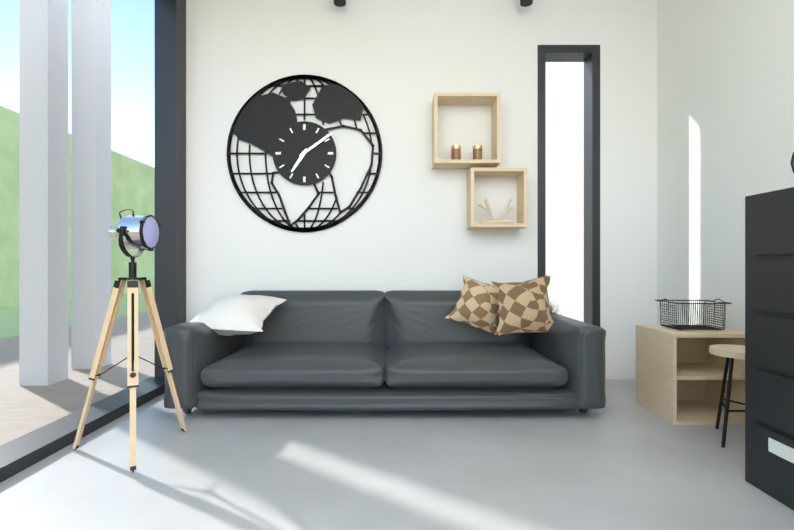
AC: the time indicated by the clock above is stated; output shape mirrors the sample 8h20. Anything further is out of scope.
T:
7h09
